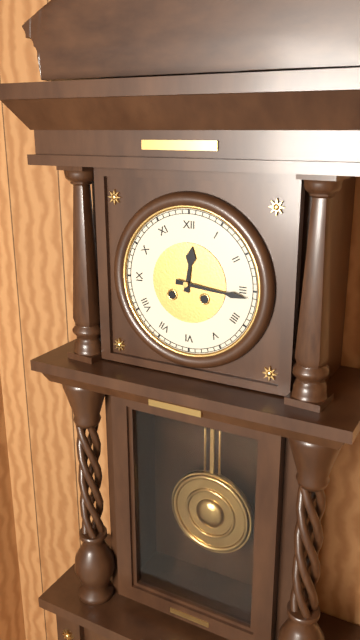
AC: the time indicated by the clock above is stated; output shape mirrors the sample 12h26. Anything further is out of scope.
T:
12h16
